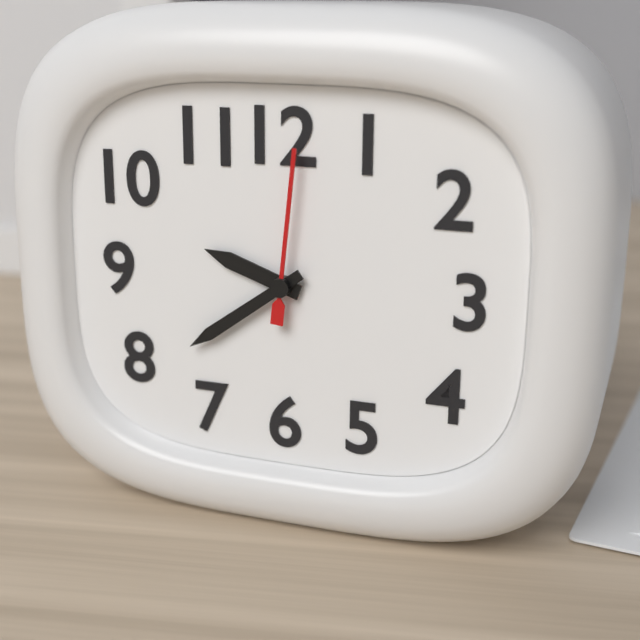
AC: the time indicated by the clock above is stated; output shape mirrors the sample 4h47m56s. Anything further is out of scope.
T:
9h39m01s
